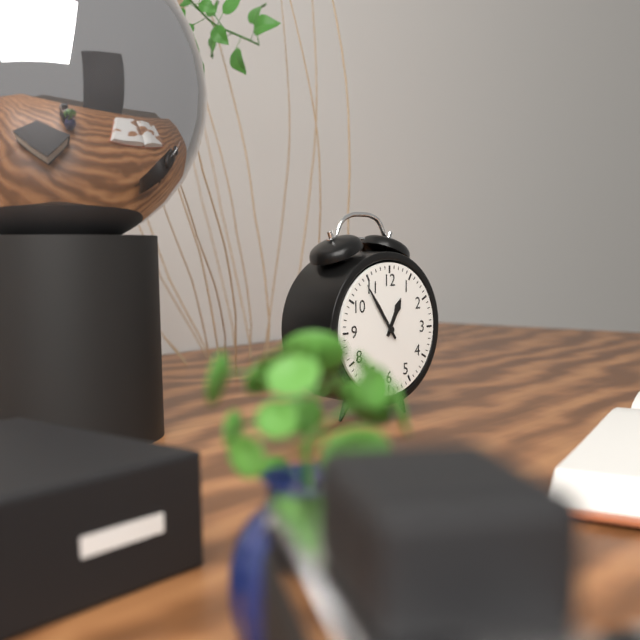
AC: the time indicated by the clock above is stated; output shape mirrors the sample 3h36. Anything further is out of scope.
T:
12h54
